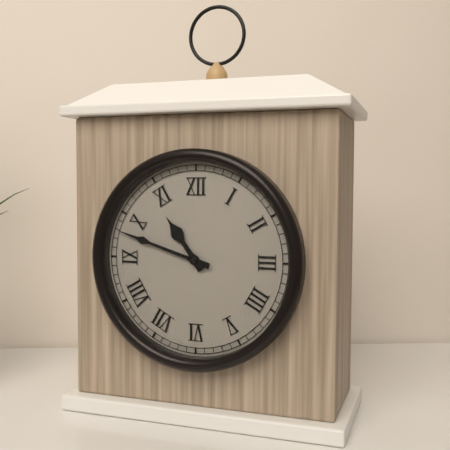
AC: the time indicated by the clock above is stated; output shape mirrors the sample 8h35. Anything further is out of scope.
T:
10h48
